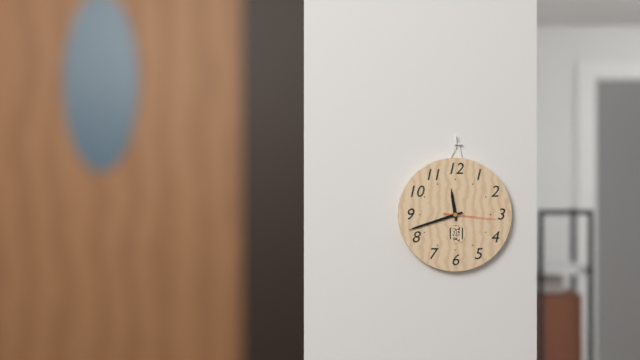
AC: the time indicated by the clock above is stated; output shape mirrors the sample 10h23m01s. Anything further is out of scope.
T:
11h42m16s
